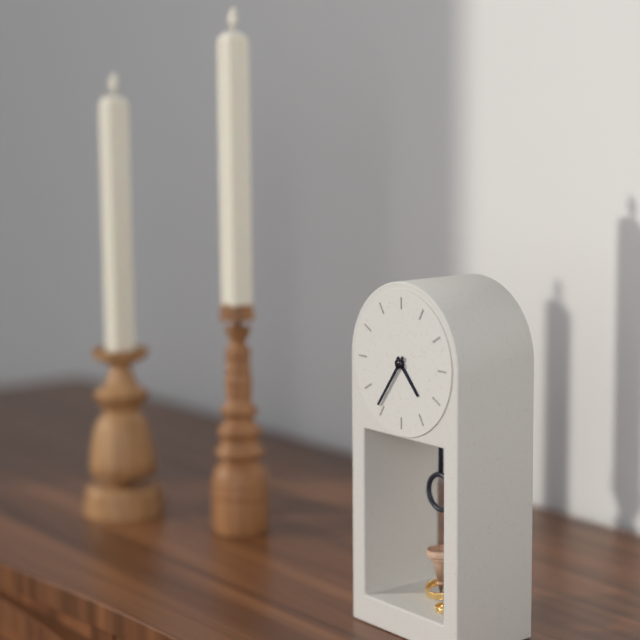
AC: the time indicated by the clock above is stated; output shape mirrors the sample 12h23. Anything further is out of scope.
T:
4h36
